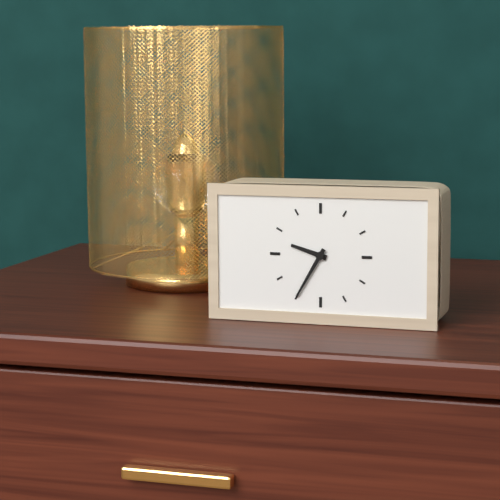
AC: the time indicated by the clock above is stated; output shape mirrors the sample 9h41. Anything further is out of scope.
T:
9h35
